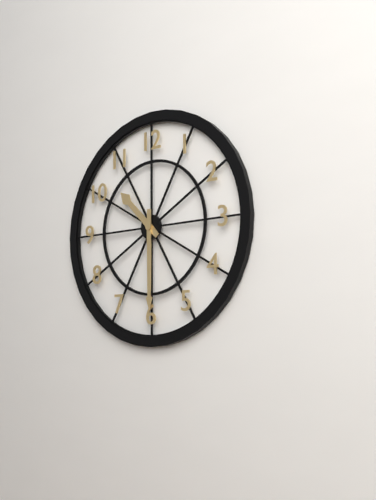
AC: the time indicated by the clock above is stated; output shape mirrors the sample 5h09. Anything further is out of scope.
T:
10h30
